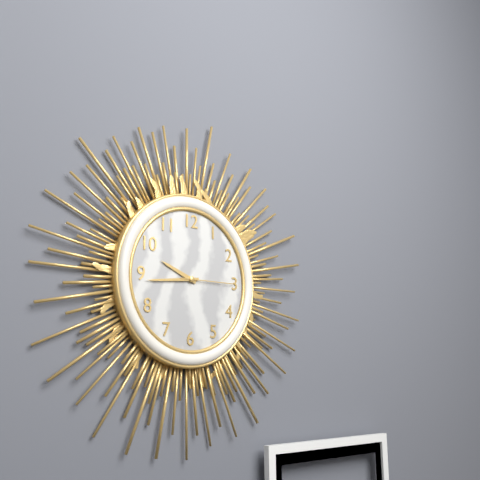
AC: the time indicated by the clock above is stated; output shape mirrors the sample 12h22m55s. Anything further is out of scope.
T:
9h44m15s
